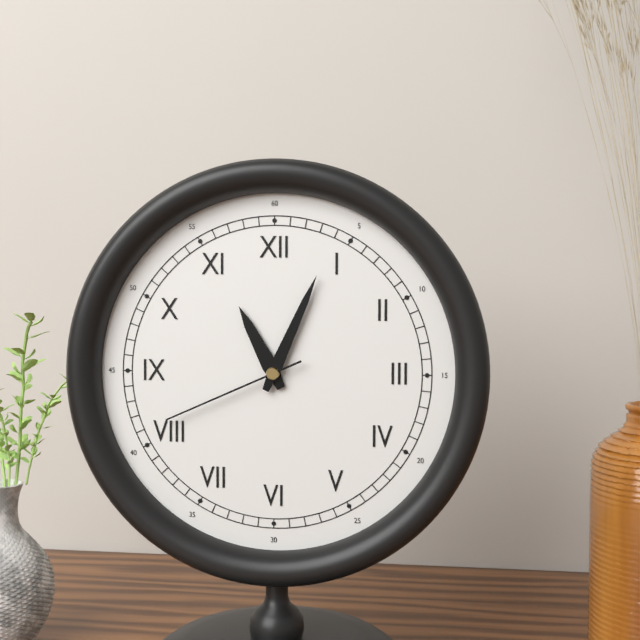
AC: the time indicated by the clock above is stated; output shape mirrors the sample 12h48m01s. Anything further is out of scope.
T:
11h04m41s
